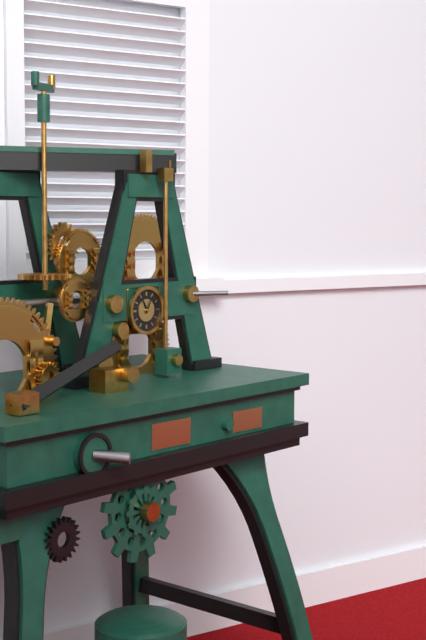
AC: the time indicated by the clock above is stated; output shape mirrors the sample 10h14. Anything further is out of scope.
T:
11h05
